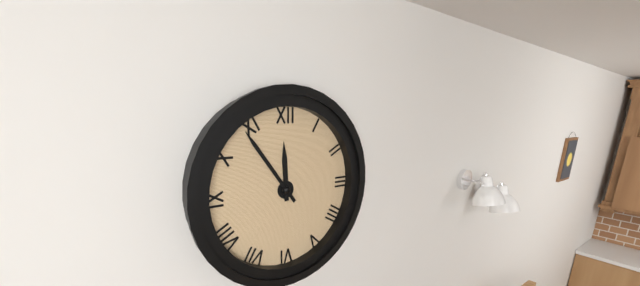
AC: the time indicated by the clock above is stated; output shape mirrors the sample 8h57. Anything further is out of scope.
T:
11h54
